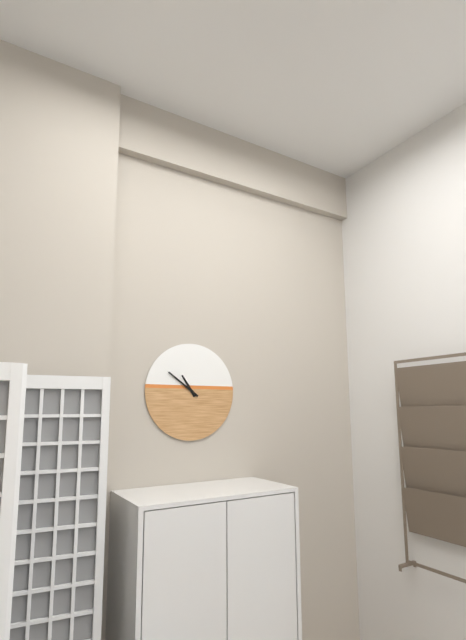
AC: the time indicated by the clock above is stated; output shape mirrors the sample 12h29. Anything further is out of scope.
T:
10h51
